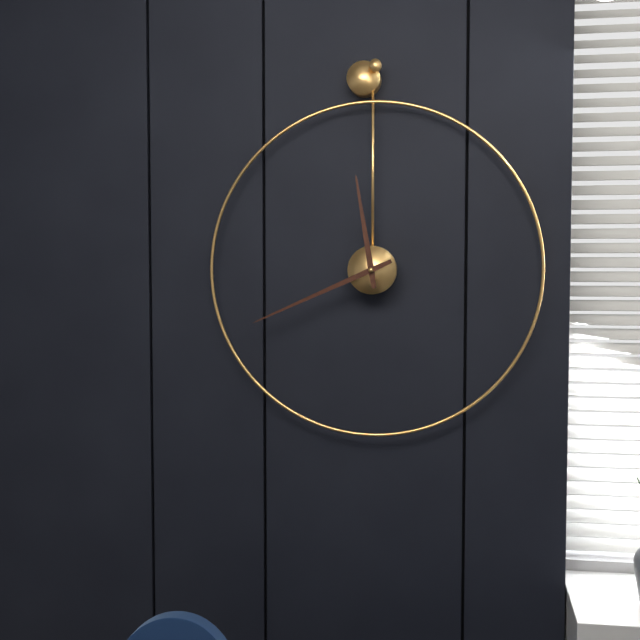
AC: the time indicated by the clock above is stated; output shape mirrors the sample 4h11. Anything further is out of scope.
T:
11h41
